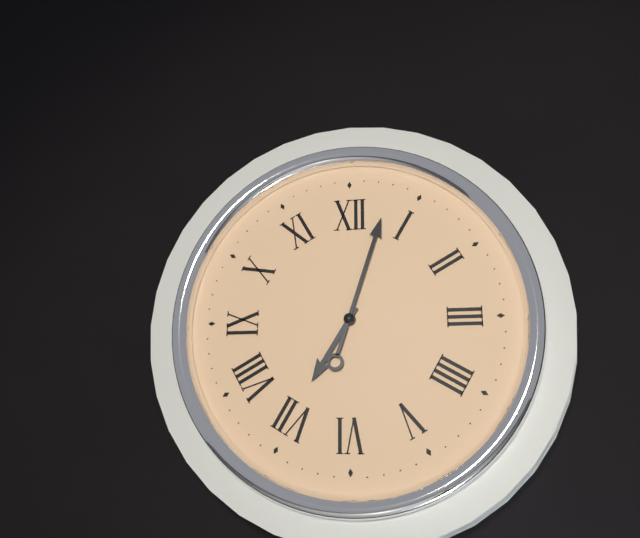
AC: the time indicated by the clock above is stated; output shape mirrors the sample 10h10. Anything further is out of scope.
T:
7h03
